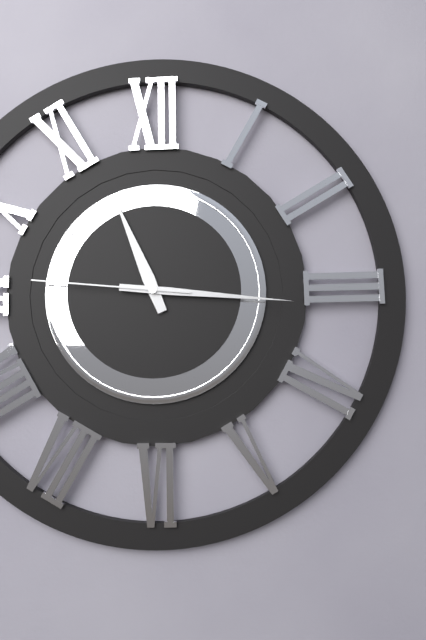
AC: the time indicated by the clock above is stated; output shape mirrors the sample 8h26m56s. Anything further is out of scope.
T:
11h16m46s
